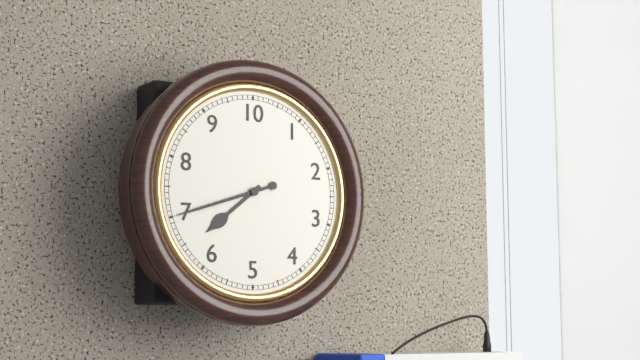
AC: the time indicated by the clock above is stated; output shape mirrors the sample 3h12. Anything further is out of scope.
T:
7h42
